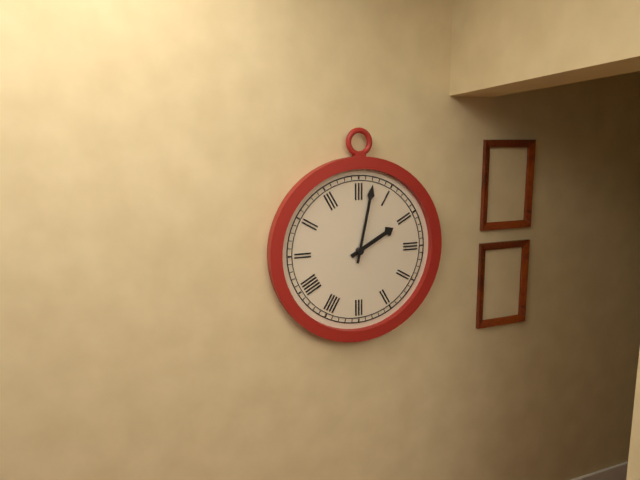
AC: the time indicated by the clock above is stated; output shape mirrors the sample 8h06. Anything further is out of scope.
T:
2h02
